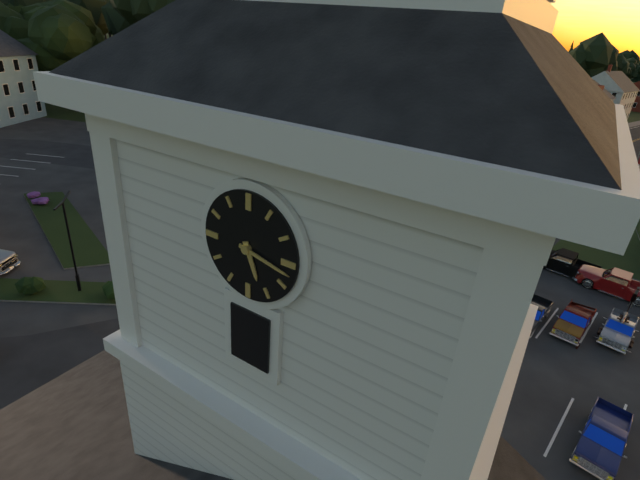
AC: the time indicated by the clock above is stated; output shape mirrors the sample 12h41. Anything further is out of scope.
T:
5h17
